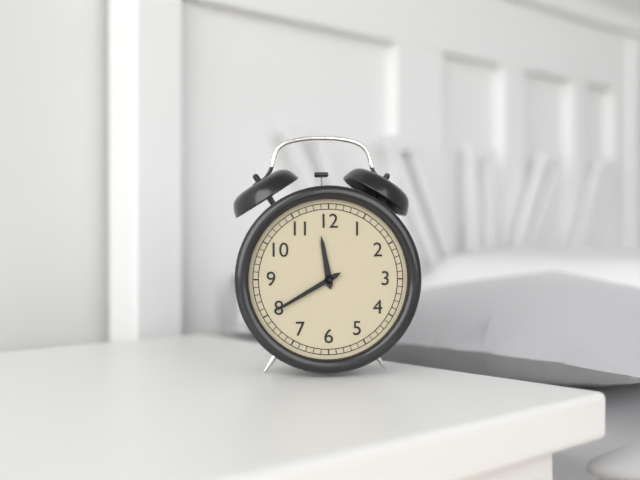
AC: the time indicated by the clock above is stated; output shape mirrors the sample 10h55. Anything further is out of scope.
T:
11h40
